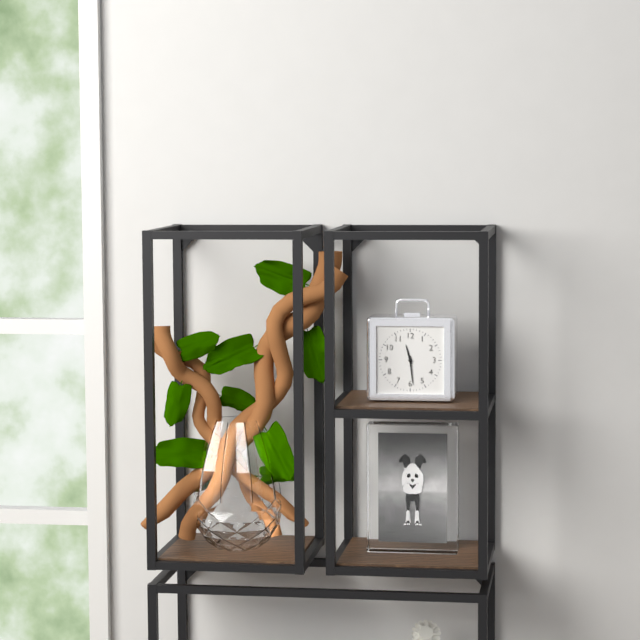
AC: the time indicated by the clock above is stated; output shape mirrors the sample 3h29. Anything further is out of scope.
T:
11h29
